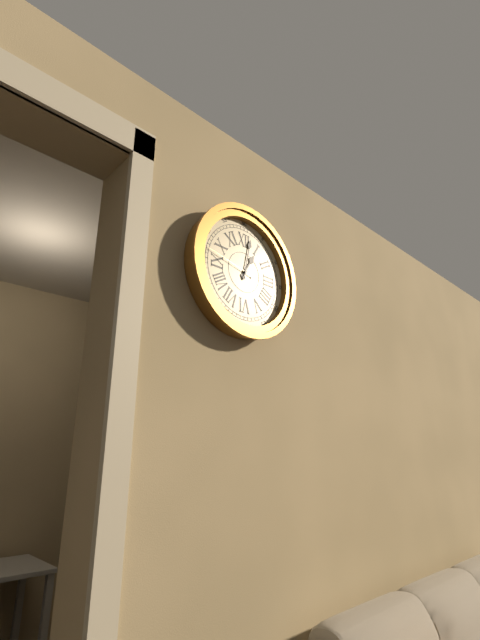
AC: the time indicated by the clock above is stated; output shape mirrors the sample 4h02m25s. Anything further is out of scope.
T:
1h02m47s
